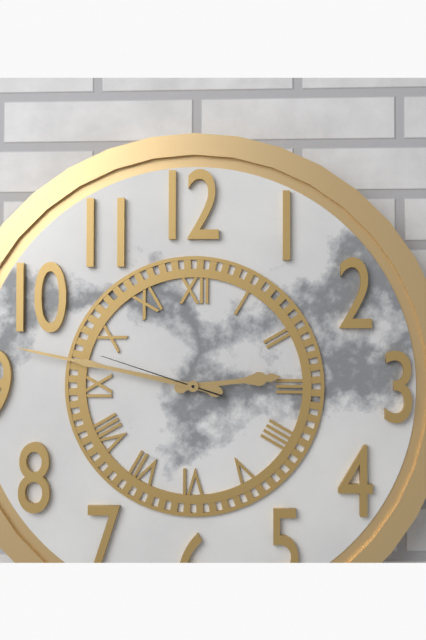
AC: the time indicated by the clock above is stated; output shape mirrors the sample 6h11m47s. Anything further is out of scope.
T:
2h47m48s
